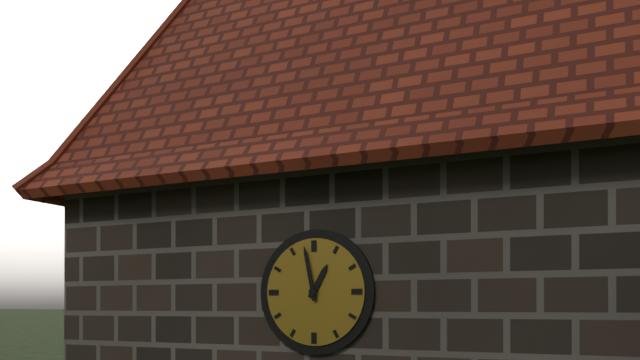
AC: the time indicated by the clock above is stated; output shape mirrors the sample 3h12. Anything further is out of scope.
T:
12h58
